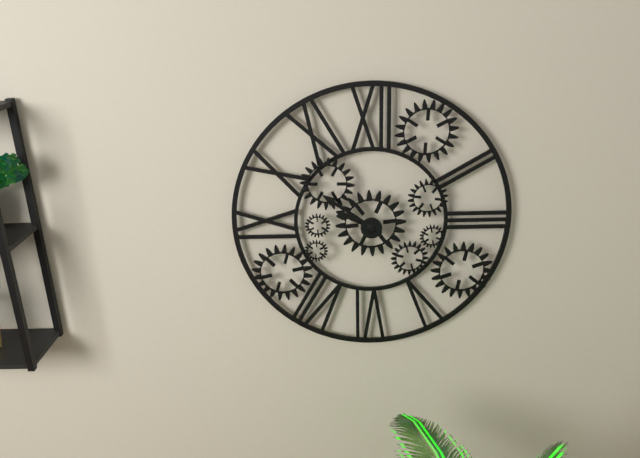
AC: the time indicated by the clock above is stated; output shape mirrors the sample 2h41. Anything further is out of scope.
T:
9h51
